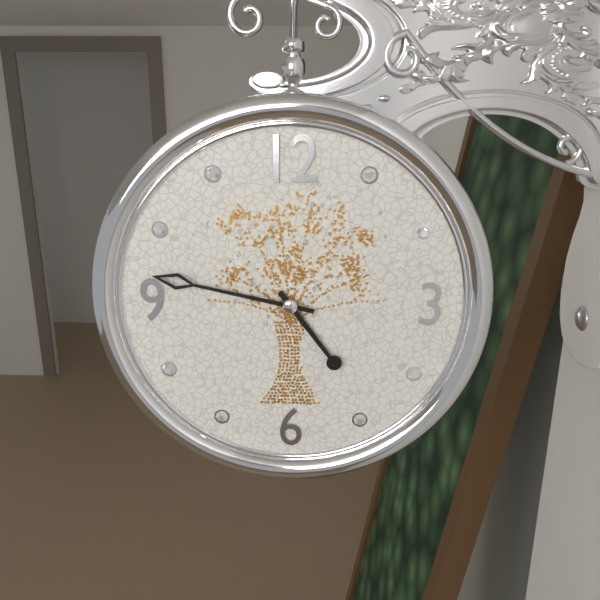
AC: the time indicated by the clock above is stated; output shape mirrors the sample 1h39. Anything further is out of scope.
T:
4h47
